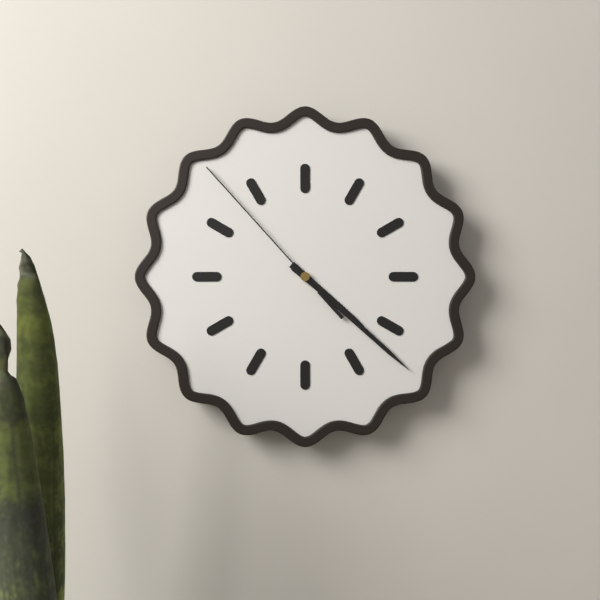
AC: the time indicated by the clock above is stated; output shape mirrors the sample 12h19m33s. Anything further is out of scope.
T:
4h22m53s
